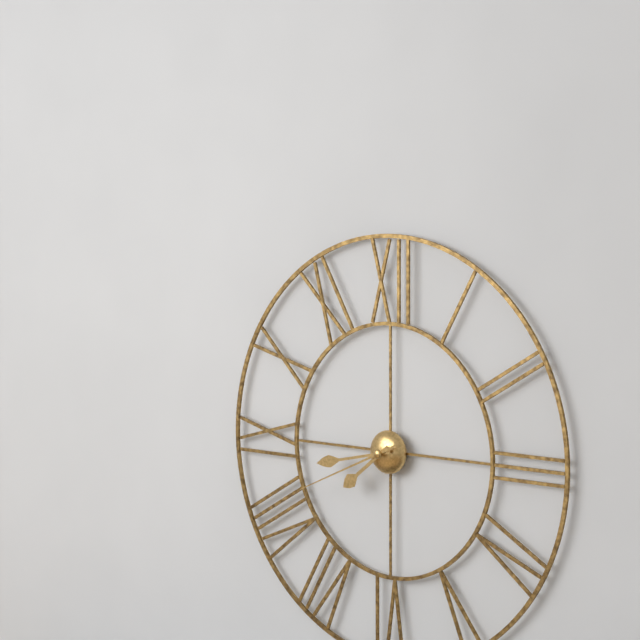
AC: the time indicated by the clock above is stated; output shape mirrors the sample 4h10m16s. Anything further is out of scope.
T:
7h43m41s
